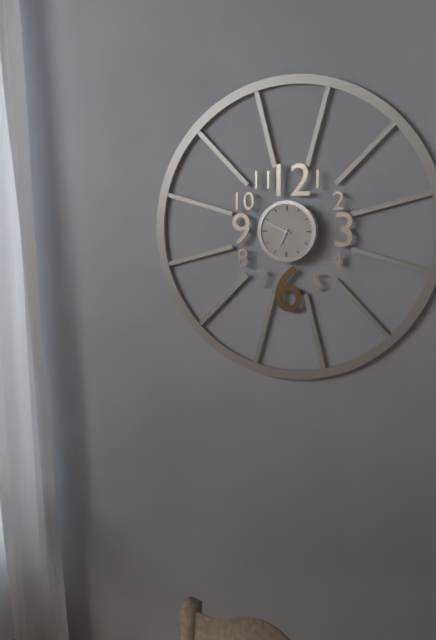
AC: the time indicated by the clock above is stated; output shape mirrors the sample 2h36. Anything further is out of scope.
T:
6h49
